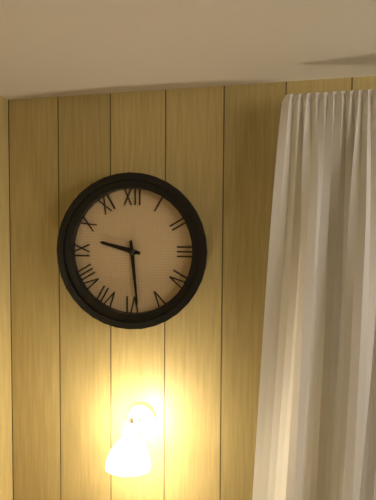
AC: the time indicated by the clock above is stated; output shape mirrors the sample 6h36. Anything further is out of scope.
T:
9h29
